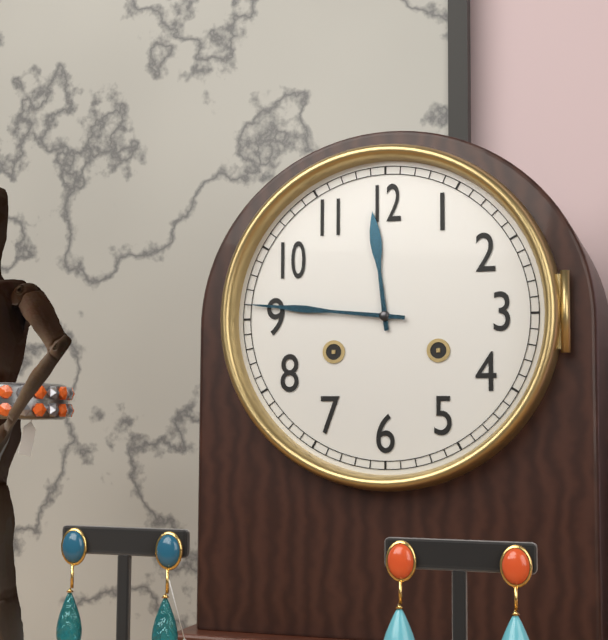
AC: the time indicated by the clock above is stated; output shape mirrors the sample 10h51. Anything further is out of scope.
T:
11h46
